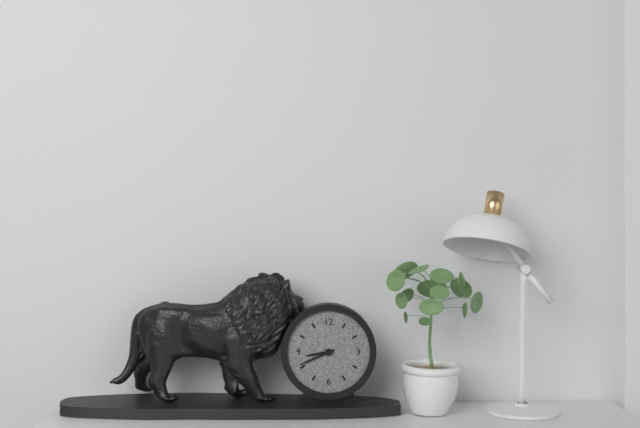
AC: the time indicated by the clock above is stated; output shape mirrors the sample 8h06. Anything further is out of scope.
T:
8h41
